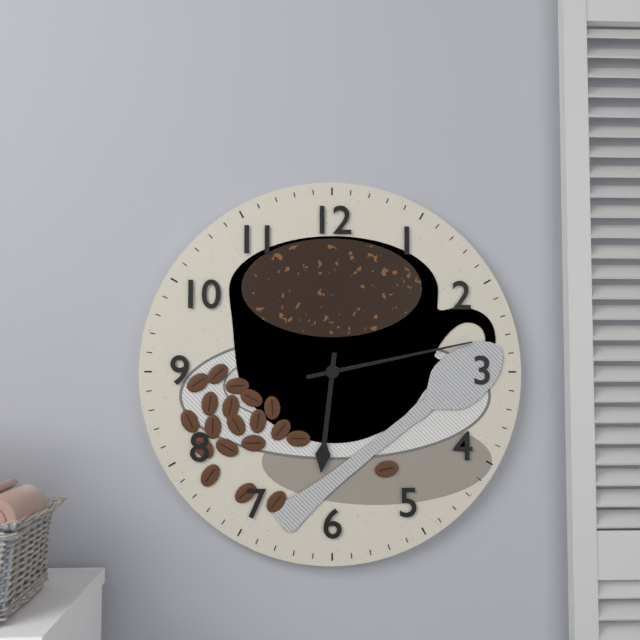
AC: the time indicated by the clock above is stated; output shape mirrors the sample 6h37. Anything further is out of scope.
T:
6h13
